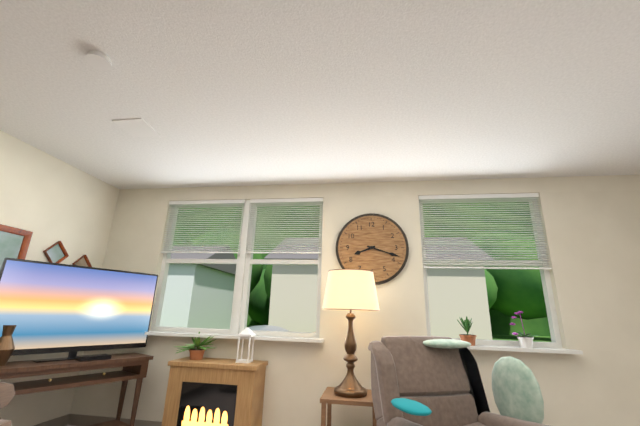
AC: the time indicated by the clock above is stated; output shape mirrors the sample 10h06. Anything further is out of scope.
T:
8h18
